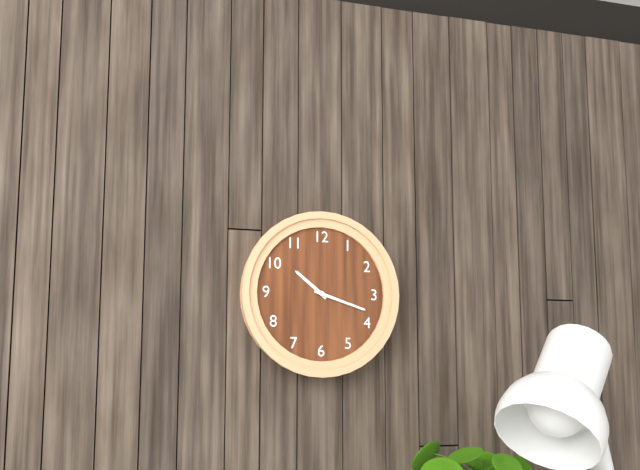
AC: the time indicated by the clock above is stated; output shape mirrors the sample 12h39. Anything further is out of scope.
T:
10h18
